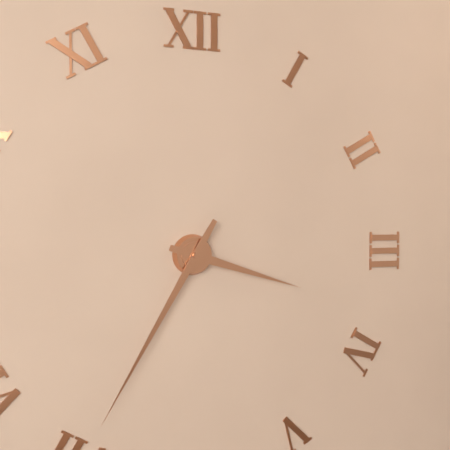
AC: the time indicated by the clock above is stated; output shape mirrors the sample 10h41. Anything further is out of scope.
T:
3h35
